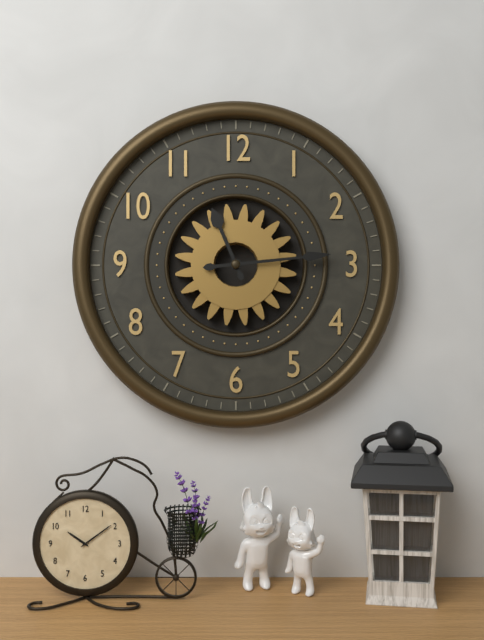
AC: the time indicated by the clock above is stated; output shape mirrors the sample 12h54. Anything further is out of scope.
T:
11h14
